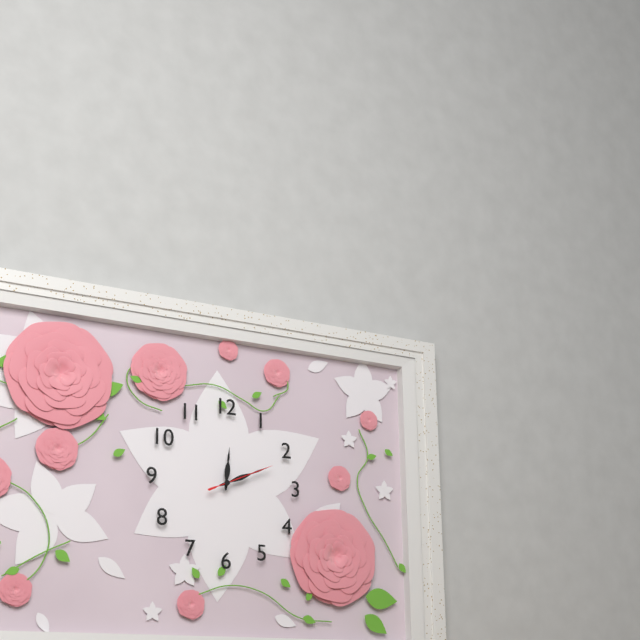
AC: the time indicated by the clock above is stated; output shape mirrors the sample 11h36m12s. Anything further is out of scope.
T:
12h11m11s
